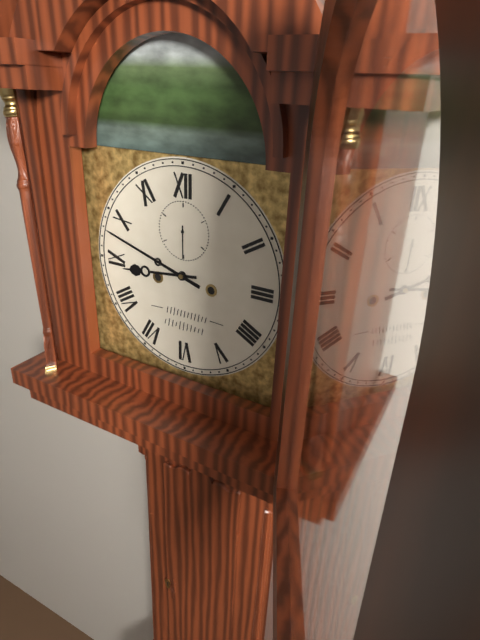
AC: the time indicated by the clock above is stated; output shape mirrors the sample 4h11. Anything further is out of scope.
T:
8h48
